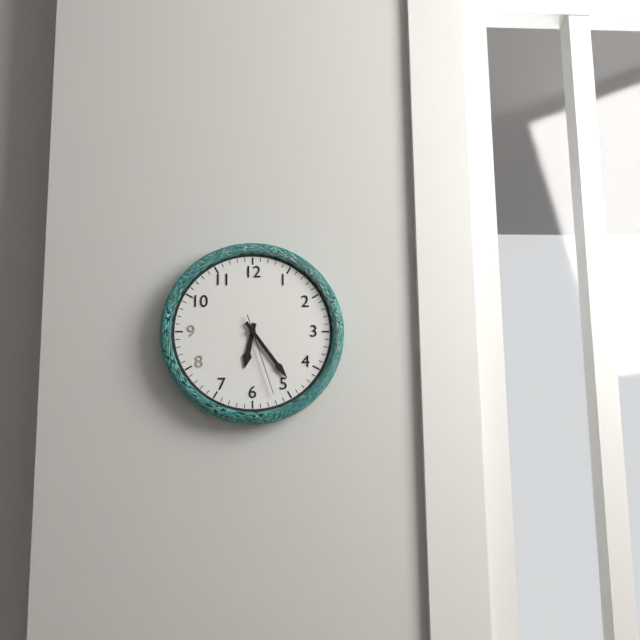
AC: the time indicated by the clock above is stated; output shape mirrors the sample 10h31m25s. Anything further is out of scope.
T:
6h24m27s
